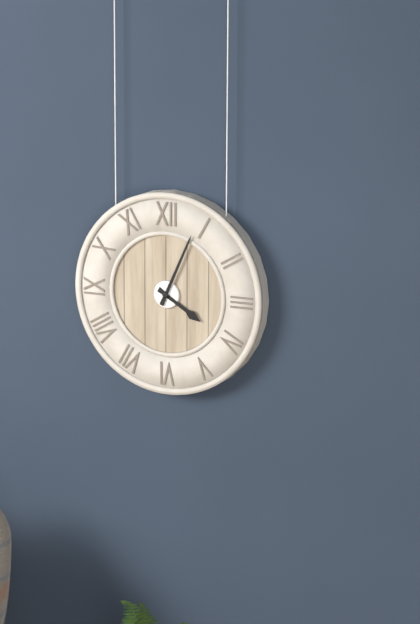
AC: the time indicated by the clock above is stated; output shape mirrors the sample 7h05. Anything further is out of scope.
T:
4h04
